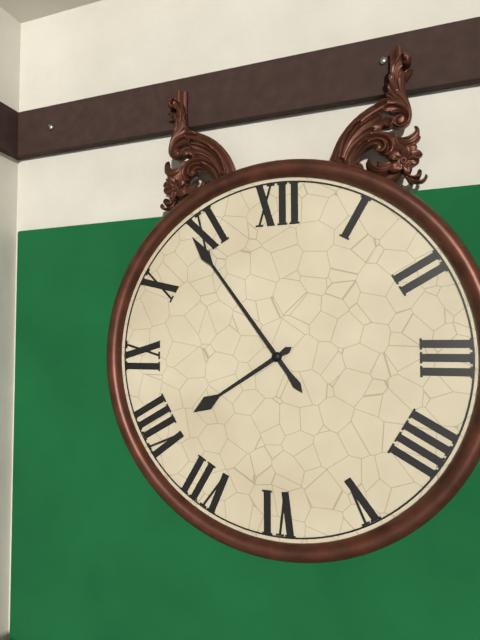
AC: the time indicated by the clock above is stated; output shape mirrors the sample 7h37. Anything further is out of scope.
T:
7h54
